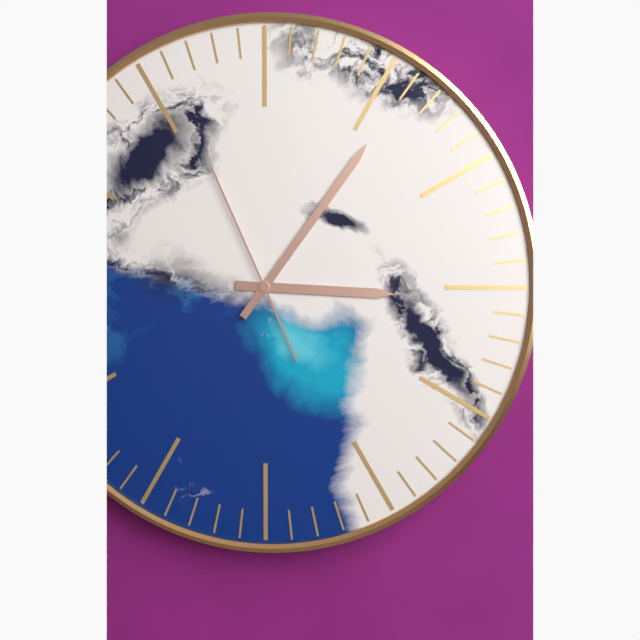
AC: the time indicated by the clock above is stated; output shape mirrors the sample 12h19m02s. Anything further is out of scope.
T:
3h06m56s
